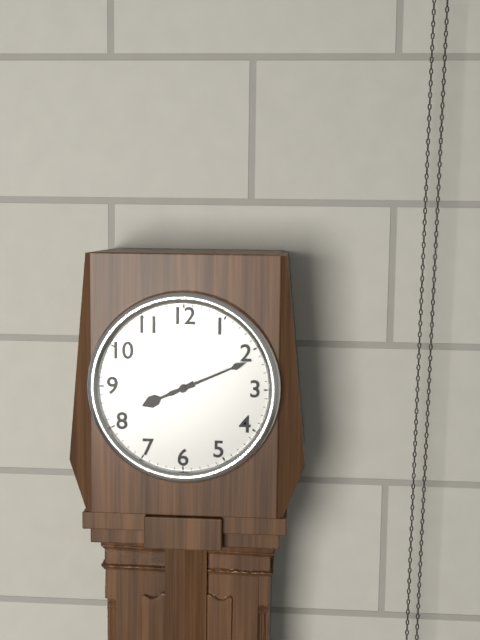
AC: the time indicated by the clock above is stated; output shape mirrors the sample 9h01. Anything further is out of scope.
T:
8h11
